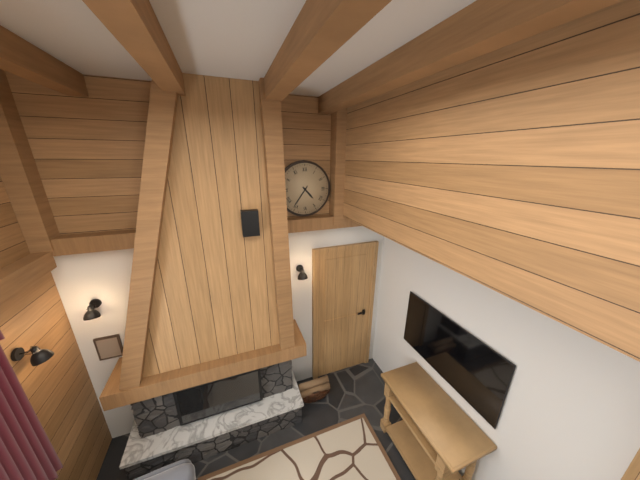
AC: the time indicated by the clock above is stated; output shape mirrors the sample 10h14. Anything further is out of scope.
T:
4h36
